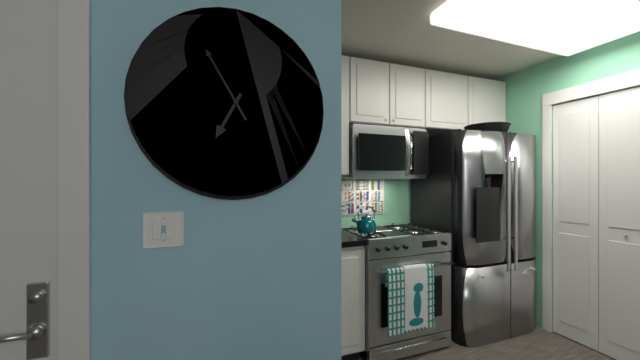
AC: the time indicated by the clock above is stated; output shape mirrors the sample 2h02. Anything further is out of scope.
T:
6h55
